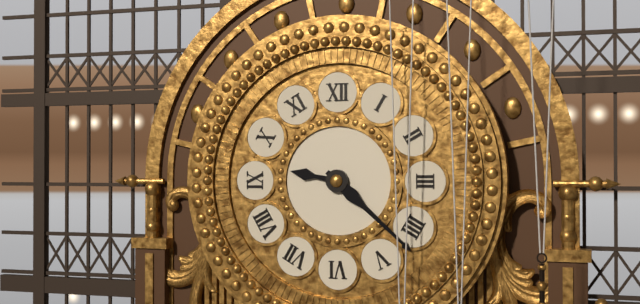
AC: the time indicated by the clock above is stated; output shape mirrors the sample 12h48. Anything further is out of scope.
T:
9h22
